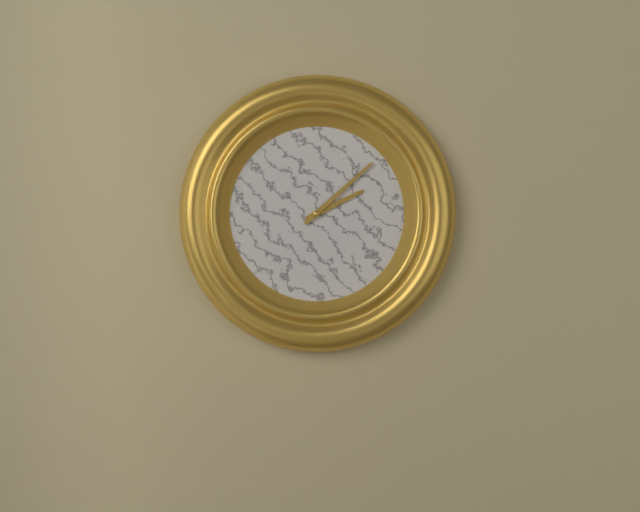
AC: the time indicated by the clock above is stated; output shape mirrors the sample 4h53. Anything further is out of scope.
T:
2h08
